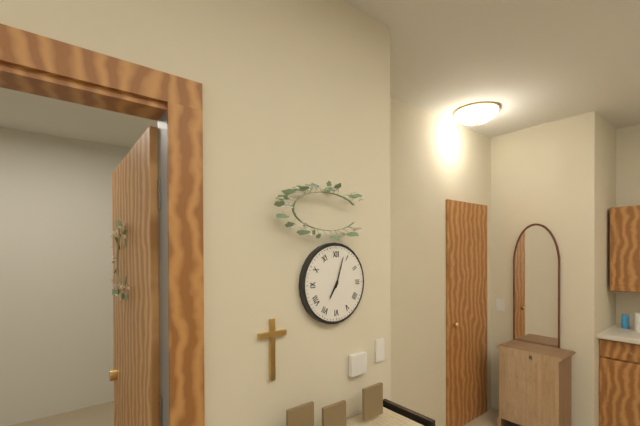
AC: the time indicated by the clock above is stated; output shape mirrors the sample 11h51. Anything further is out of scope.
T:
7h03
